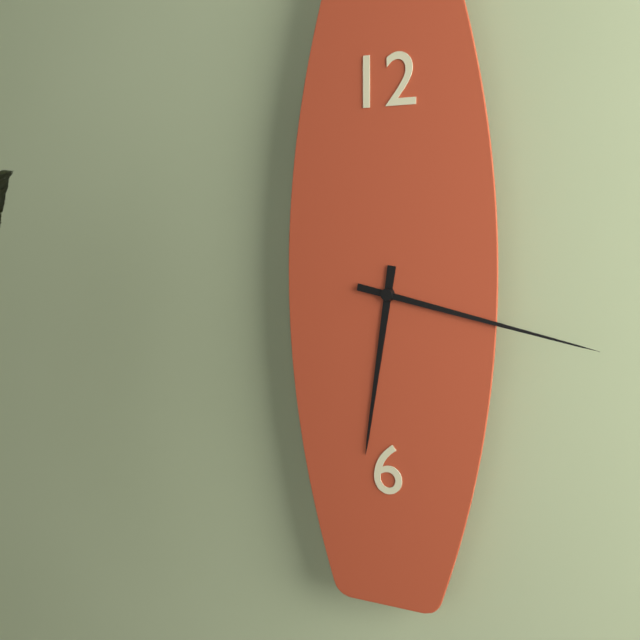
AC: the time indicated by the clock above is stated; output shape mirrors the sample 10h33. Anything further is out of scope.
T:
6h17
